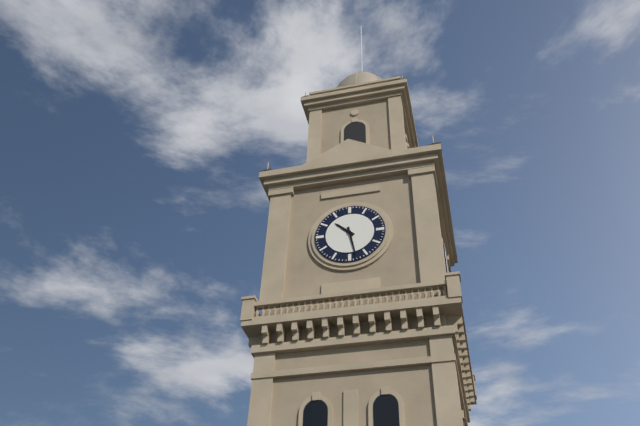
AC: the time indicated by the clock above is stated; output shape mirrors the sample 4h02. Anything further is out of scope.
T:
10h28
